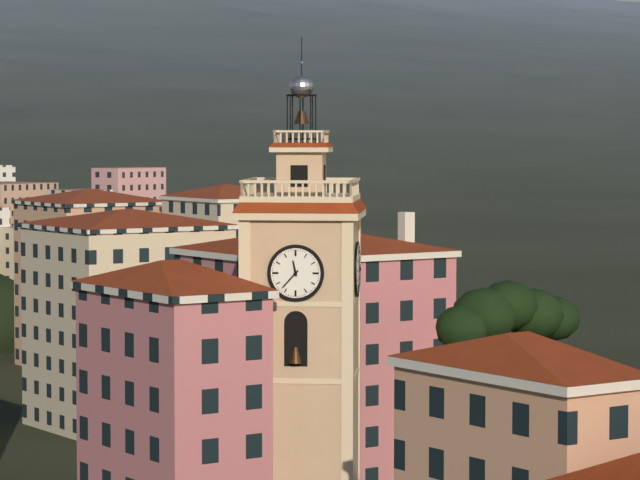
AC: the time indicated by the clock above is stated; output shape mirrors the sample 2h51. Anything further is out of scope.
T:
11h37
